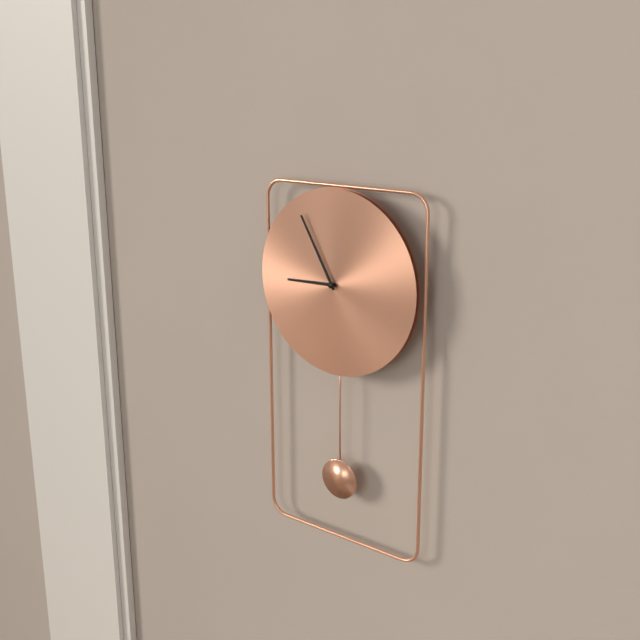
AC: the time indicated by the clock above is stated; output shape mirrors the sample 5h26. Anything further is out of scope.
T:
8h55
